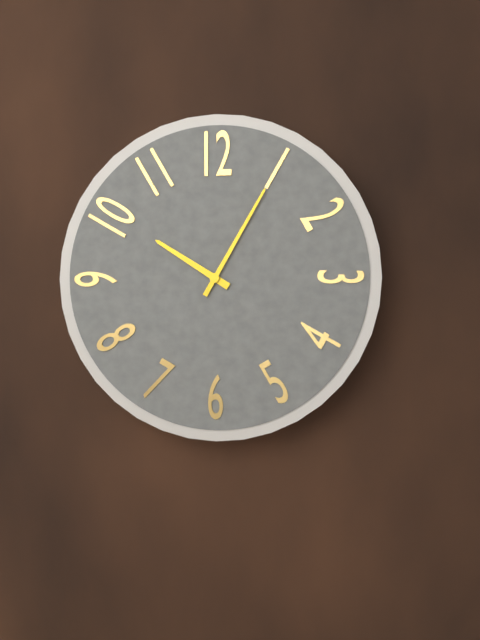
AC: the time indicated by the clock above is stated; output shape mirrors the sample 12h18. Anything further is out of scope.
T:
10h05
